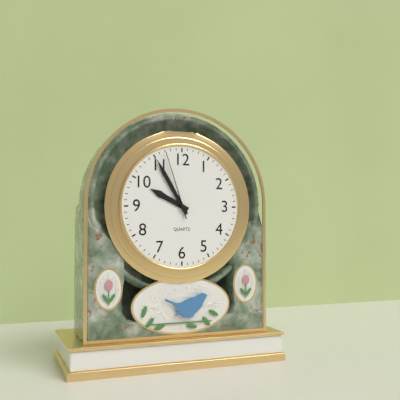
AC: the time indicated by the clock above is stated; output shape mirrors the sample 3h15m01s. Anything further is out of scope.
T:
9h55m57s
